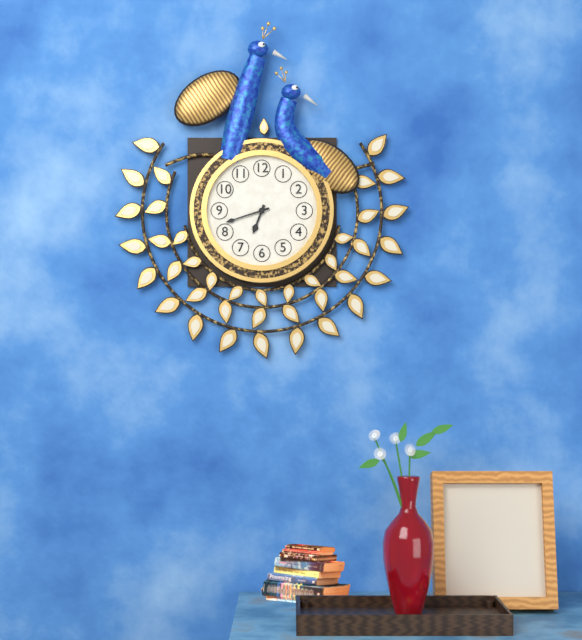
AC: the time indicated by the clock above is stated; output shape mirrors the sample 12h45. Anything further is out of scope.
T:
6h42
